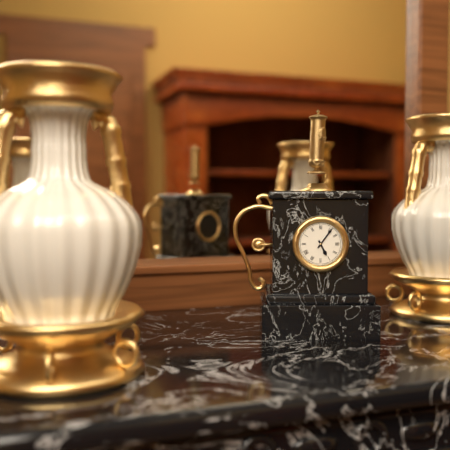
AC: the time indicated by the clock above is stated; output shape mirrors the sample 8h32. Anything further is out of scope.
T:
5h06
